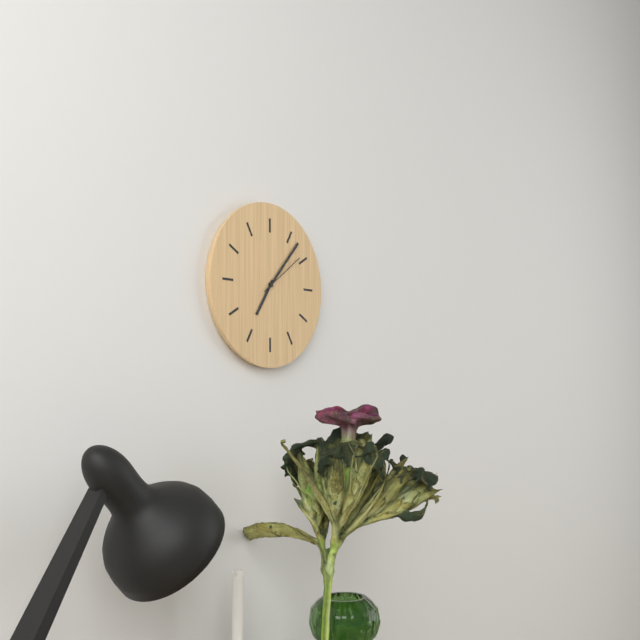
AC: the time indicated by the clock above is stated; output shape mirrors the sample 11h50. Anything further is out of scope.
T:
7h07
